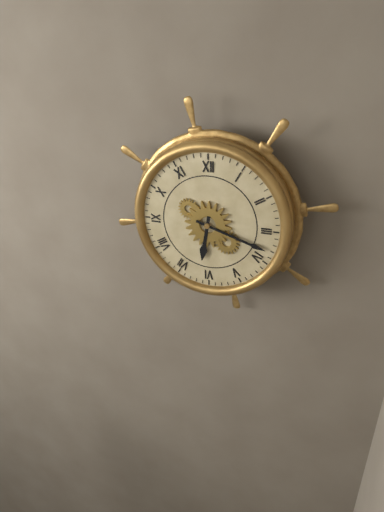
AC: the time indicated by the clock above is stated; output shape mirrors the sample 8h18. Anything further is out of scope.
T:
6h18
